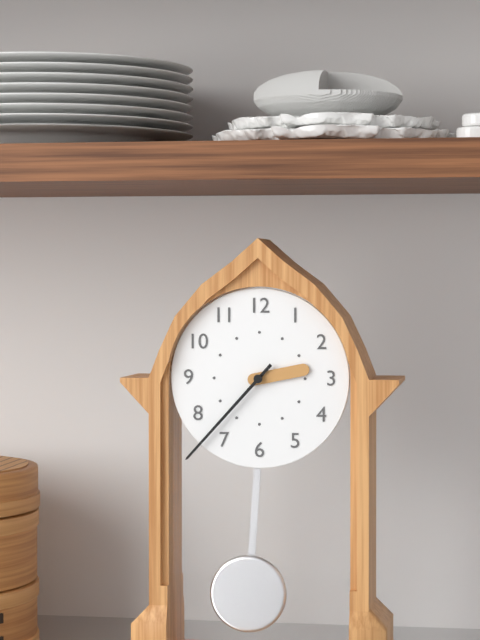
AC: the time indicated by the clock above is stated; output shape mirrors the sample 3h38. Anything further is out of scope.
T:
2h37
